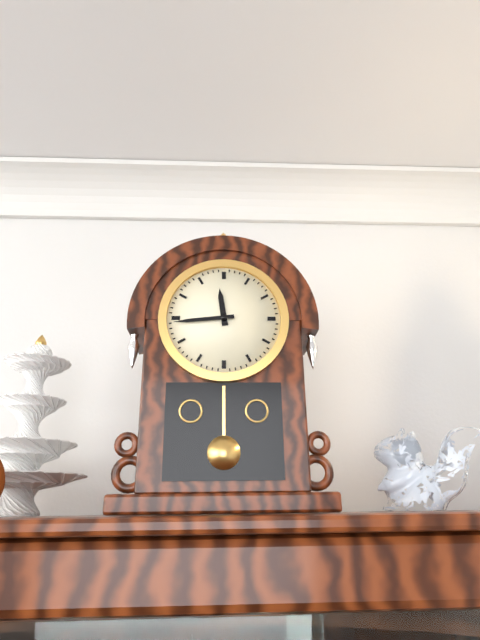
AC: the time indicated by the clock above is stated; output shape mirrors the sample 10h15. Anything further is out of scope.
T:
11h44
